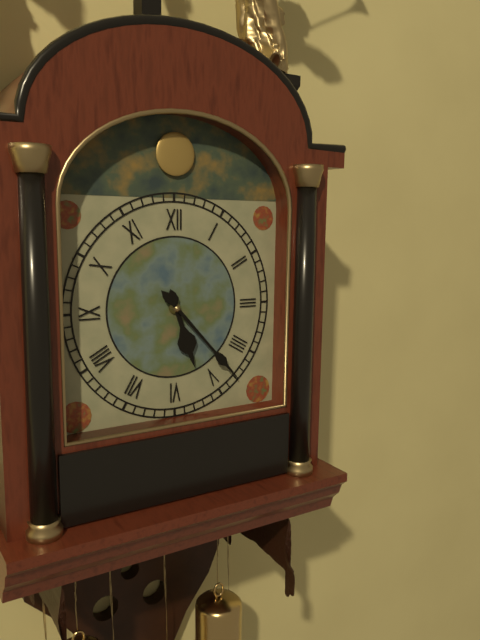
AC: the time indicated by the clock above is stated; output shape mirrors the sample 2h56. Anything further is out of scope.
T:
5h23
